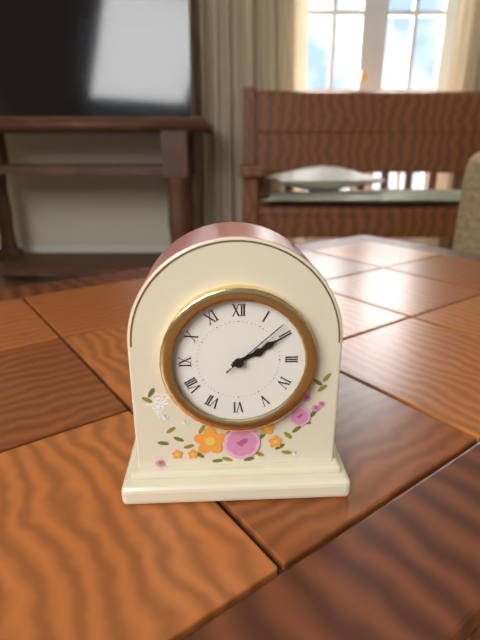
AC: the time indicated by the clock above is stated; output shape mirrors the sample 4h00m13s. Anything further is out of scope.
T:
2h10m08s
